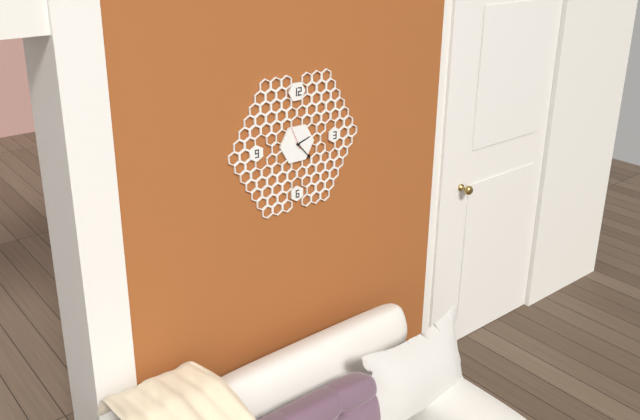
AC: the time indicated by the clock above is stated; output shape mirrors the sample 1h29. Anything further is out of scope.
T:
2h23
